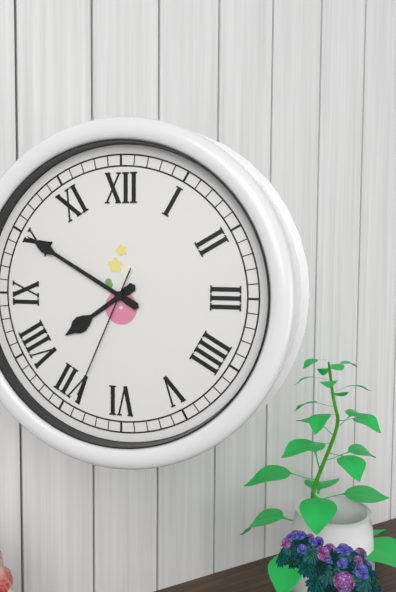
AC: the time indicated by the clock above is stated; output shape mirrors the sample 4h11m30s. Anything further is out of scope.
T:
7h50m34s
